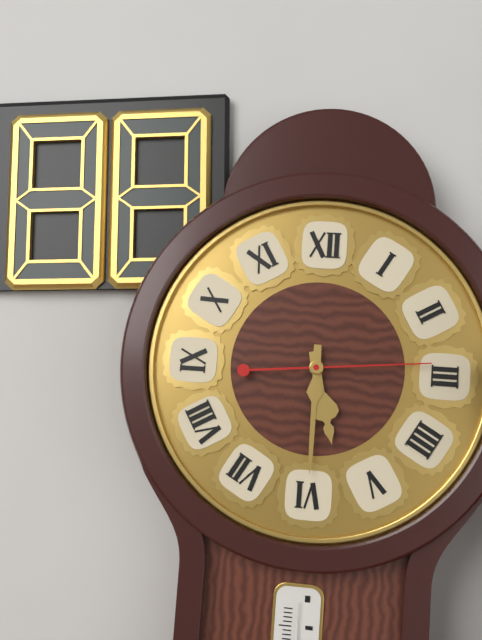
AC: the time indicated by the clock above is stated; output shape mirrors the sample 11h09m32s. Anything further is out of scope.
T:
5h30m14s
